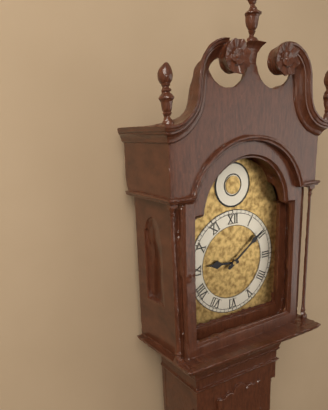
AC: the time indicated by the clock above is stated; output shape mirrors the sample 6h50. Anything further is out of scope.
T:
9h09
